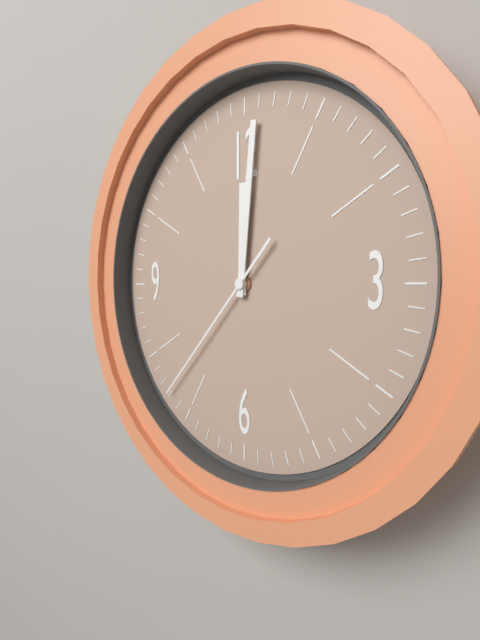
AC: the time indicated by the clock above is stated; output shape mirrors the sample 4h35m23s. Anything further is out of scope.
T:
12h01m37s
